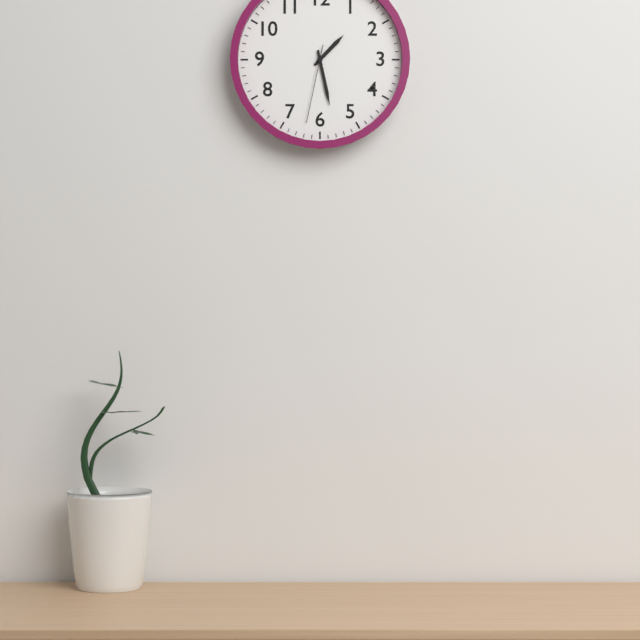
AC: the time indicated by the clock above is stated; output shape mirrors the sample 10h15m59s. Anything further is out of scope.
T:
1h28m32s
